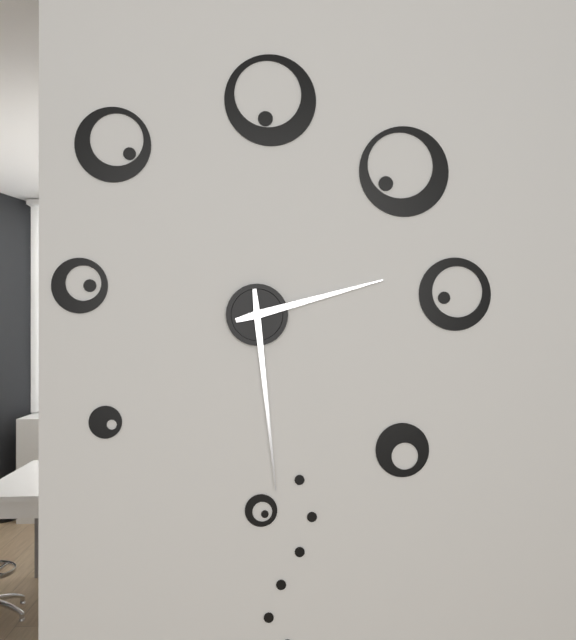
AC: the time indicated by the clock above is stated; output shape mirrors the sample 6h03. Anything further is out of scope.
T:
2h29
